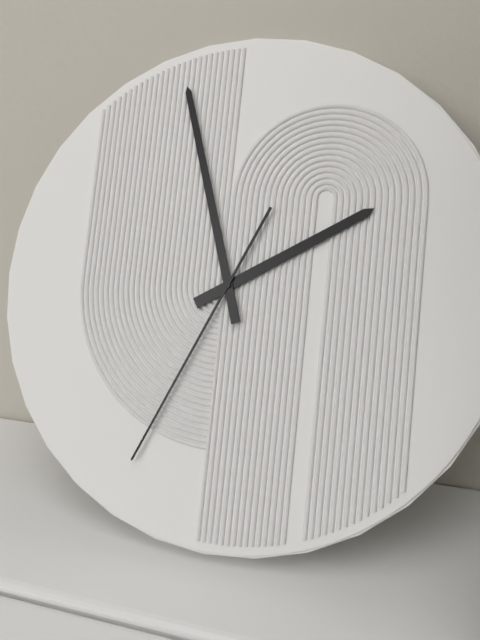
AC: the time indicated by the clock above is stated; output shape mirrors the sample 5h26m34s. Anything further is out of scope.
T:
1h57m34s
